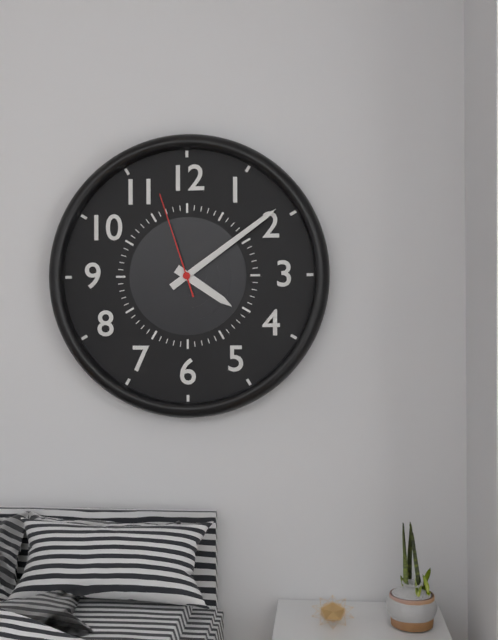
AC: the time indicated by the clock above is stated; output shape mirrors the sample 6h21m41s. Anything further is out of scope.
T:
4h09m57s
